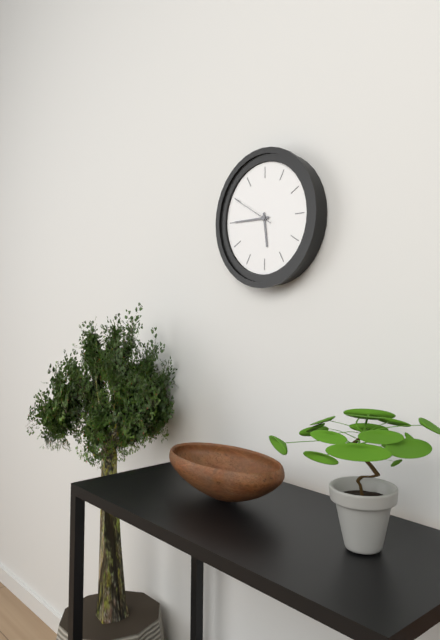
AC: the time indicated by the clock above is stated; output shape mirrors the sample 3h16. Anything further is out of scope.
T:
5h45
